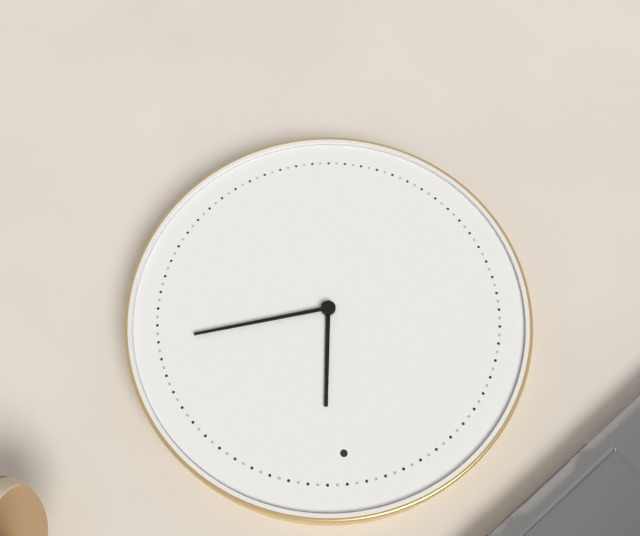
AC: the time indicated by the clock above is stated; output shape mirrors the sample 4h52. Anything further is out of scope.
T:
12h14
